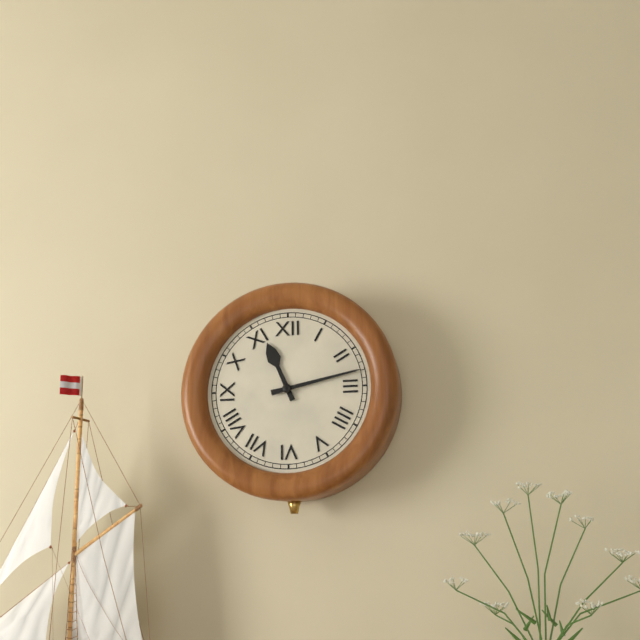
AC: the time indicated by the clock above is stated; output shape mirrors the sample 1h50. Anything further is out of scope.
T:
11h13
